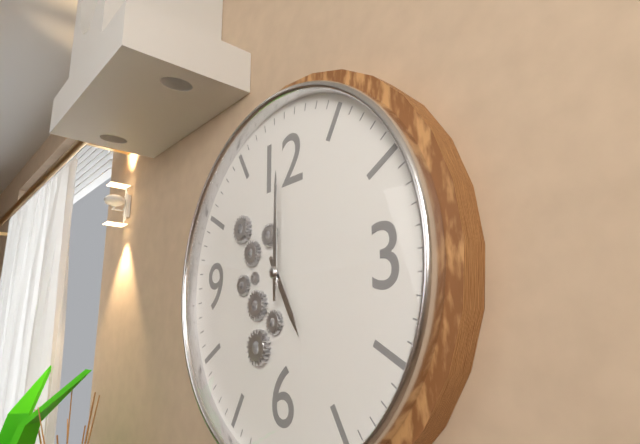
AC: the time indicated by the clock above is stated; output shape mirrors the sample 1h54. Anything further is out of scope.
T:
5h00
